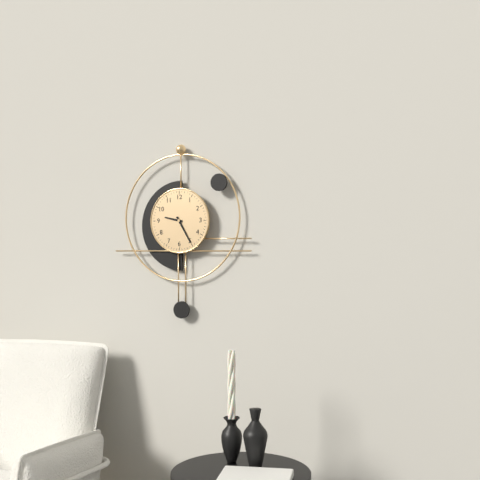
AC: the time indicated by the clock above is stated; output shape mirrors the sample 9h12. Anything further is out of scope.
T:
9h25
